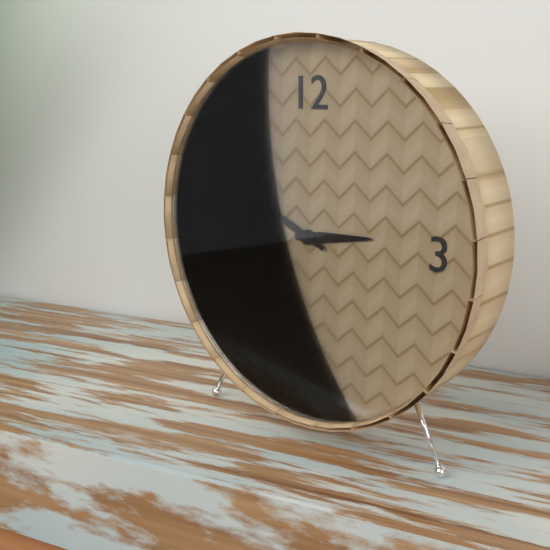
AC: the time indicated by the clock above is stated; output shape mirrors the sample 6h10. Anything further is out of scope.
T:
2h49
